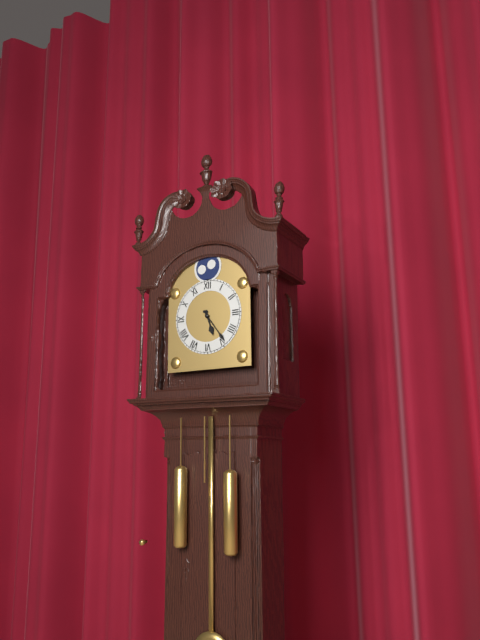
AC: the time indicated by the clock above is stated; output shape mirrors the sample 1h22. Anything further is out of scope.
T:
5h24
